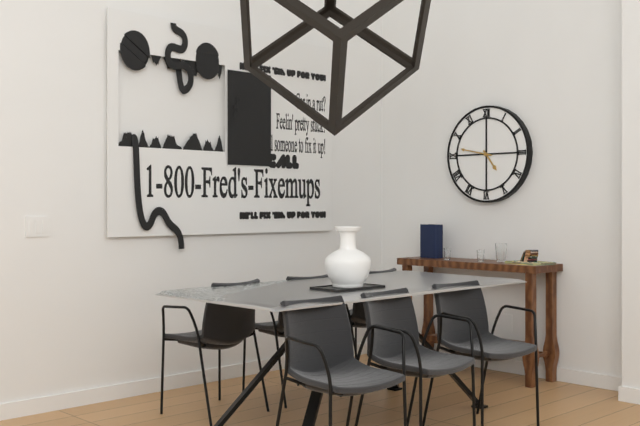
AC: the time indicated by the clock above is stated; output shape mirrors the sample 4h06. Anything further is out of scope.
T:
4h47
